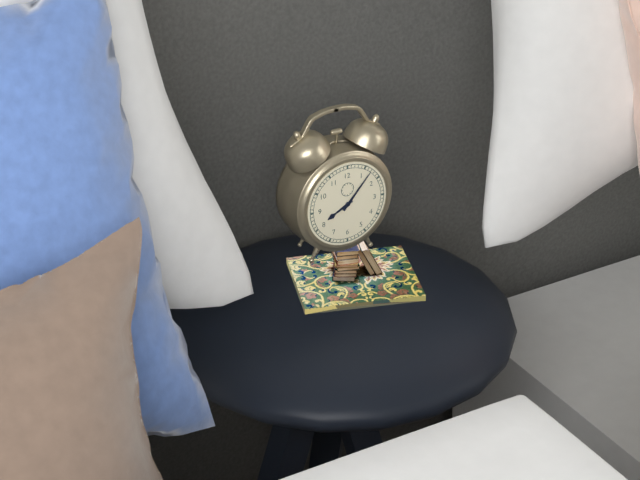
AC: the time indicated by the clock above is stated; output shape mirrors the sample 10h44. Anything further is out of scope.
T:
8h07
